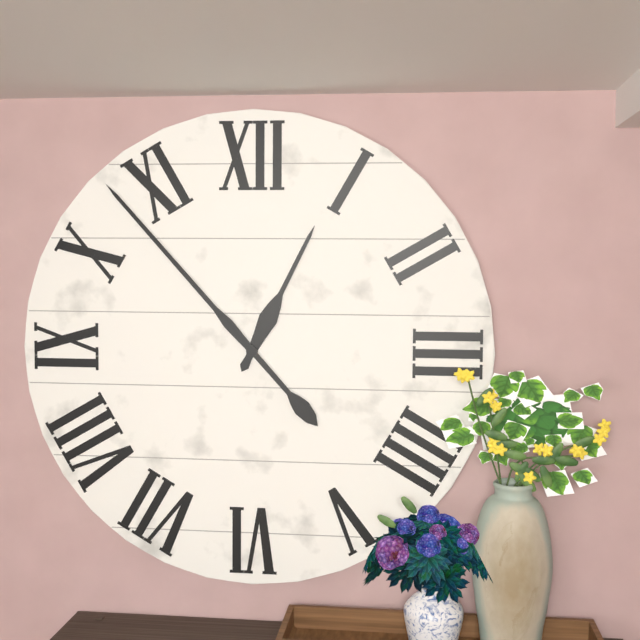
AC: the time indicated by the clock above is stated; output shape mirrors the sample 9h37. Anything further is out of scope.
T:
12h53
